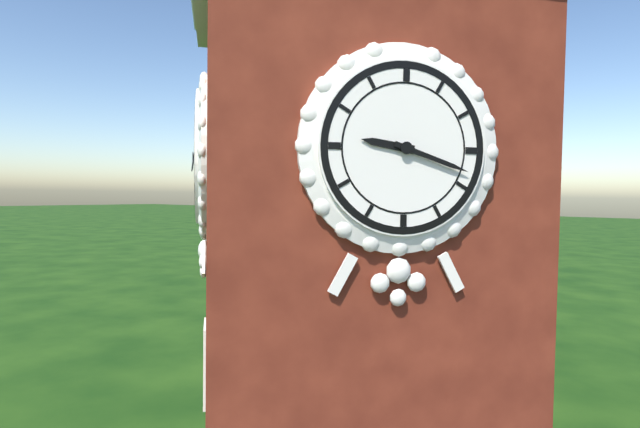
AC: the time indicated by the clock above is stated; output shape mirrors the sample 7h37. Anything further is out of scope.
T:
9h18
